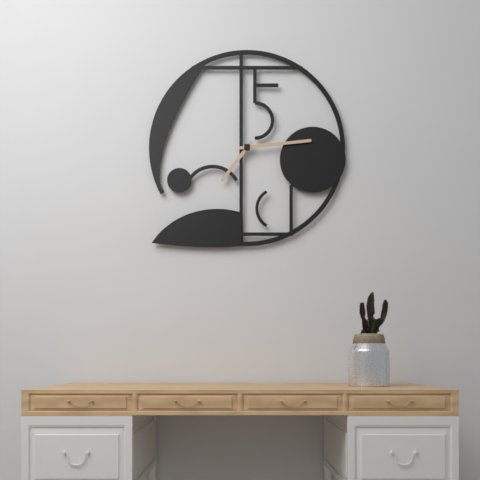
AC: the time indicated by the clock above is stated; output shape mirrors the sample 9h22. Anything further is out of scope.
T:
7h14
